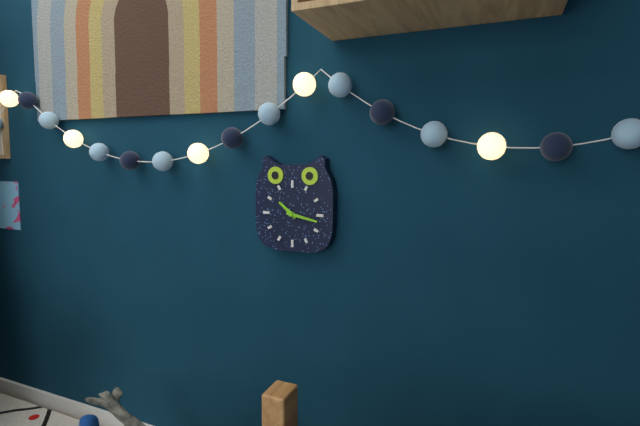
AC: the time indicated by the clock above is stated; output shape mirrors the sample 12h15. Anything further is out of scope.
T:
10h17
